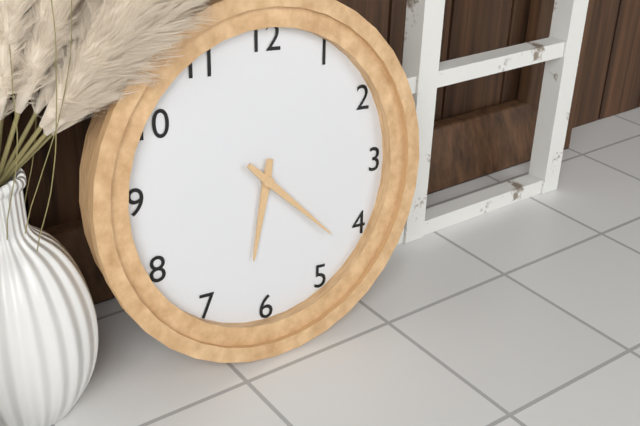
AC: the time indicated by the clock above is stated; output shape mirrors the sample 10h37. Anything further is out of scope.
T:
6h22
